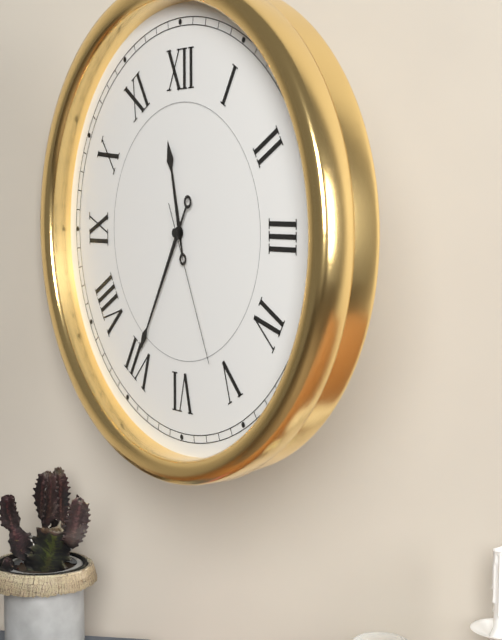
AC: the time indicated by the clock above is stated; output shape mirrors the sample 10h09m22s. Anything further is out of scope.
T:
11h35m26s
